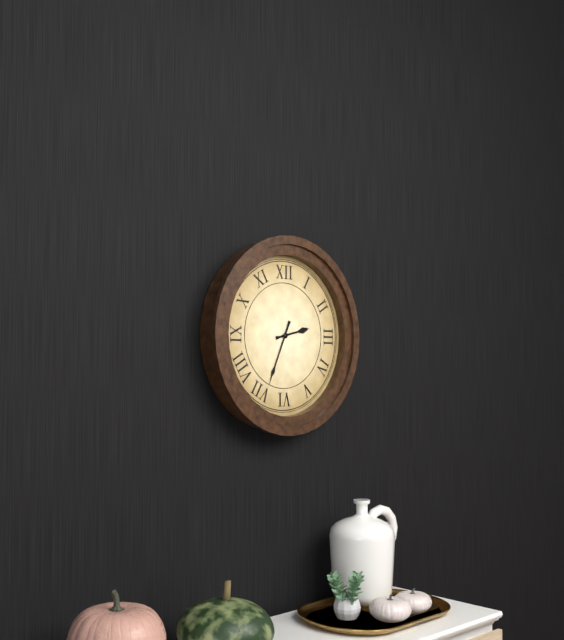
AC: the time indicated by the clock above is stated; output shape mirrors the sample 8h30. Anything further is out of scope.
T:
2h34
